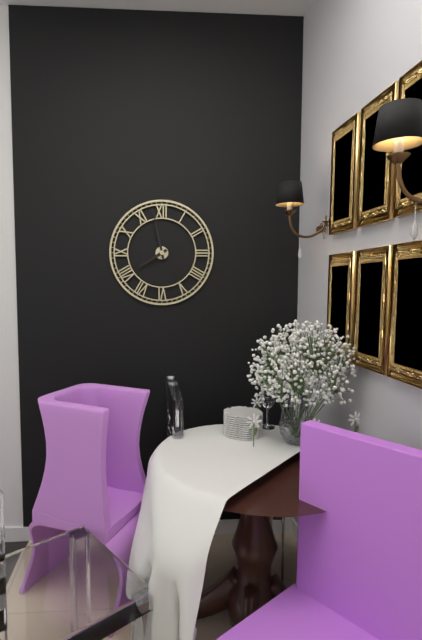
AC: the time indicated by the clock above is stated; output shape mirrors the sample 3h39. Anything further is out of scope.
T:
7h58
